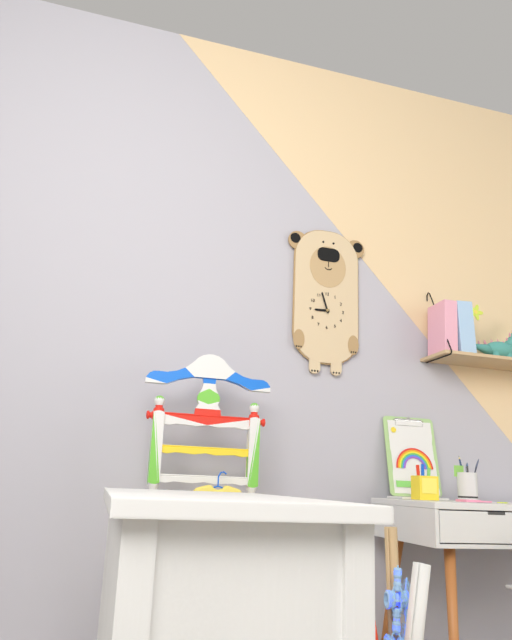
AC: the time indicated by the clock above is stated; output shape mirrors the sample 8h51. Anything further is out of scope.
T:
8h57
